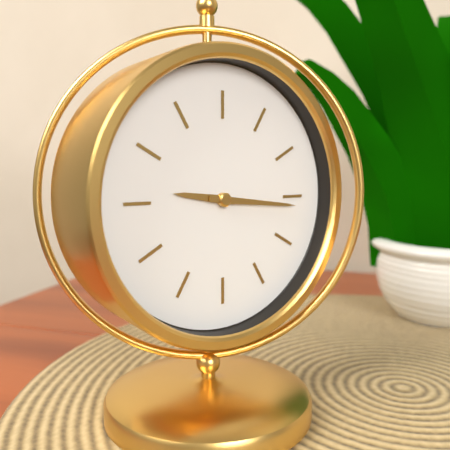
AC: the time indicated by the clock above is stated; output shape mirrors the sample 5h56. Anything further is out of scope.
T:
9h16
